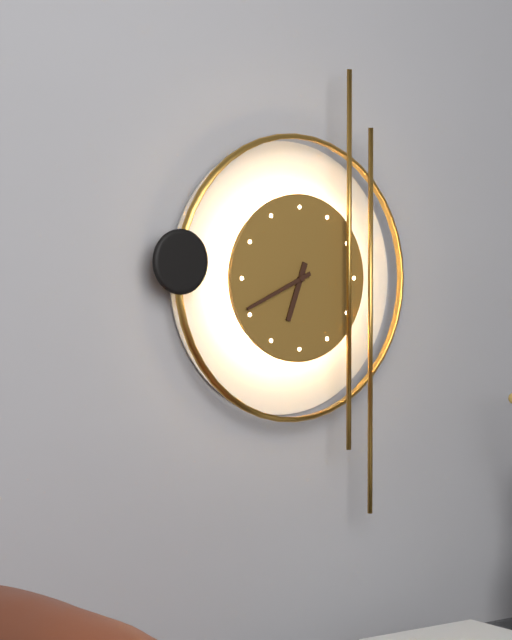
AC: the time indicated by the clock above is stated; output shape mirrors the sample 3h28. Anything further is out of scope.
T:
6h41
